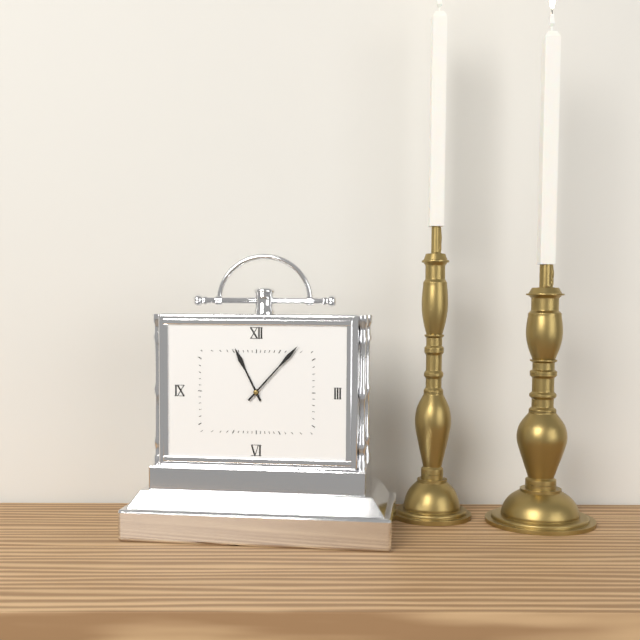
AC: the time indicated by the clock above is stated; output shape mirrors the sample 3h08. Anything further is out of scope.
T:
11h07
